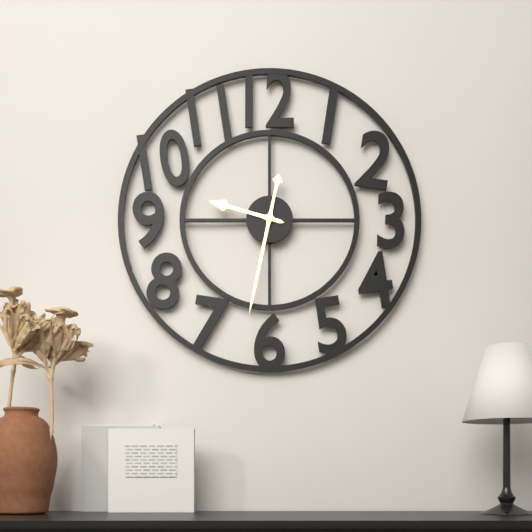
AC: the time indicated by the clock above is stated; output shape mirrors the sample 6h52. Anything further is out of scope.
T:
9h32
